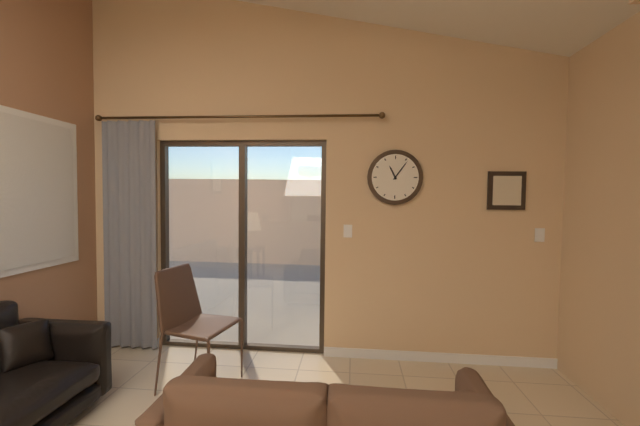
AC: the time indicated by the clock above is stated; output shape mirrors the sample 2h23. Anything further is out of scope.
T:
11h06
